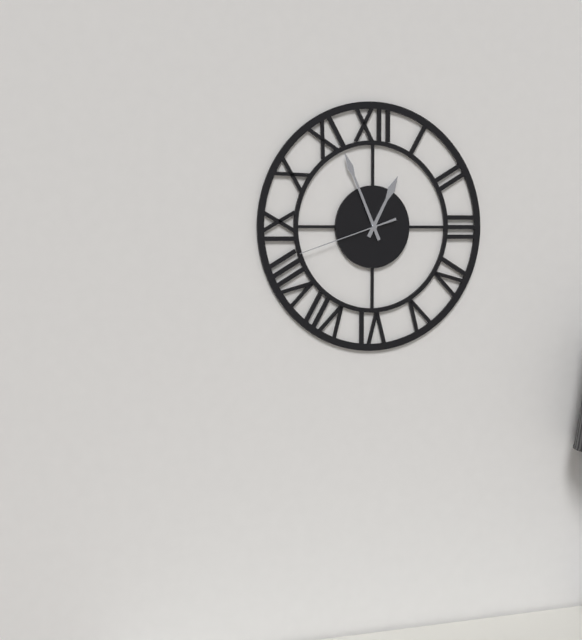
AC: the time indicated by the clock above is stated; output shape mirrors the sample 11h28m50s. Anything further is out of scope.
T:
12h56m42s
